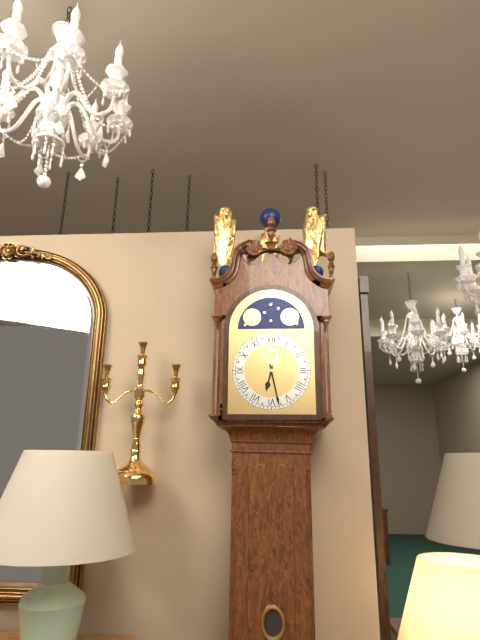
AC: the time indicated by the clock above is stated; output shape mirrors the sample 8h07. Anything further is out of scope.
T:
6h28
